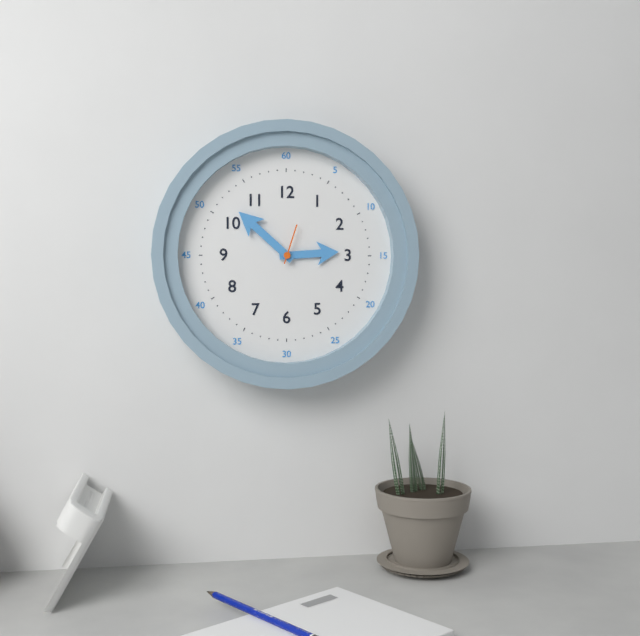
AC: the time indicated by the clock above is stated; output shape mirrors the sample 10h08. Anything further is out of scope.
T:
2h52
